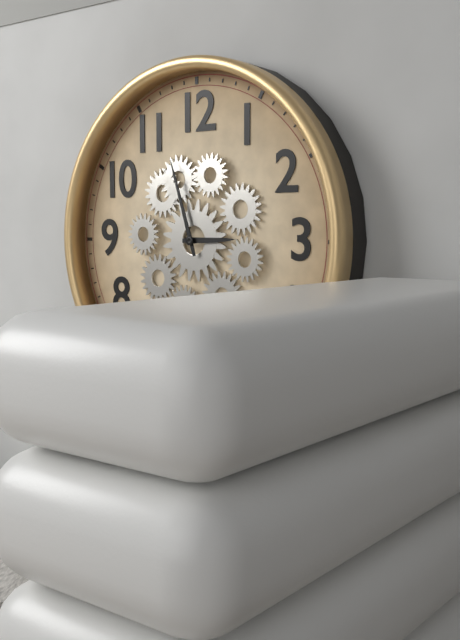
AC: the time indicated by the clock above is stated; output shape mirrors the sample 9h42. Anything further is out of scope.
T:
2h57
